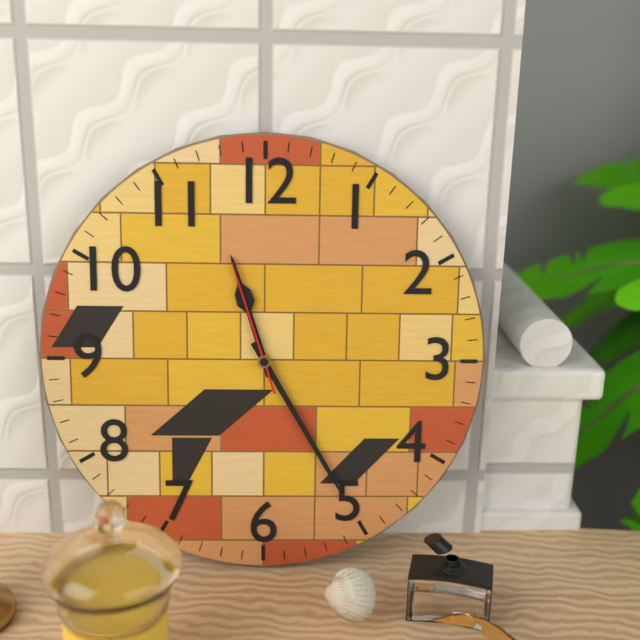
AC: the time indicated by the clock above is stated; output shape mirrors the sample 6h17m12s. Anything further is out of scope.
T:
11h25m57s
